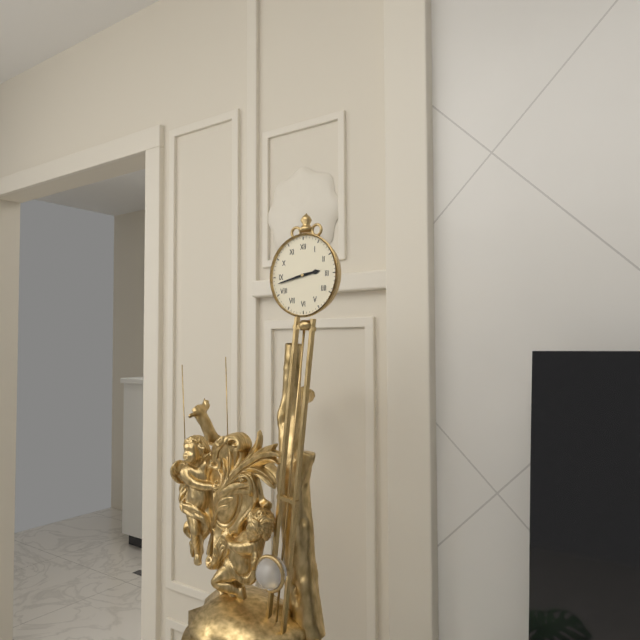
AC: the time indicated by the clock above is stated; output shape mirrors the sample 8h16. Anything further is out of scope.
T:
2h43
